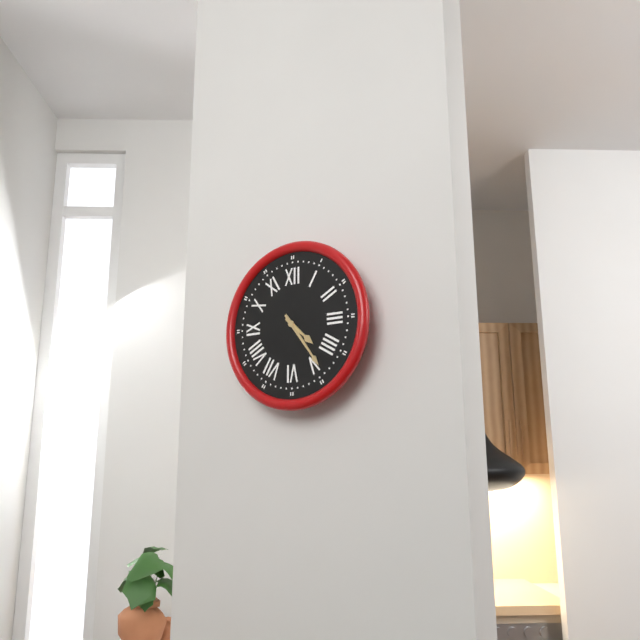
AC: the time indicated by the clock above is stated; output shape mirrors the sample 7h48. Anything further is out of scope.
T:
4h24
